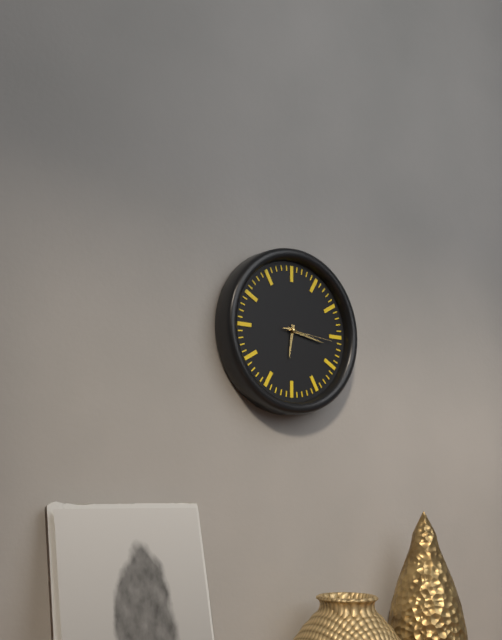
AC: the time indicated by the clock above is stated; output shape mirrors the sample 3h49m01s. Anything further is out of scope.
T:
6h17m16s
